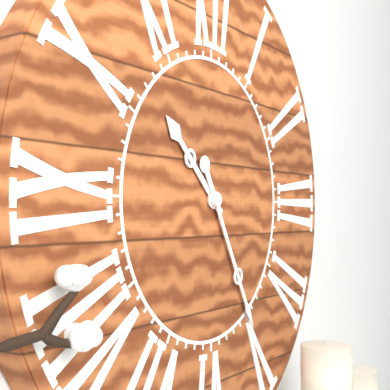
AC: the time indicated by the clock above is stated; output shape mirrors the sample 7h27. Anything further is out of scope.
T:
10h25
